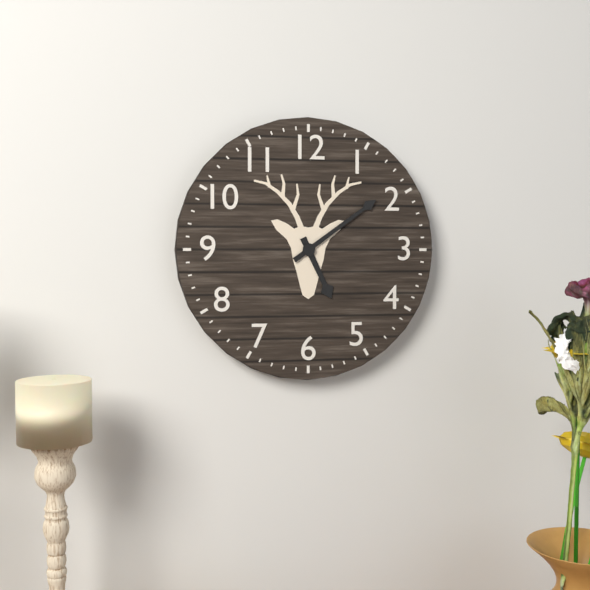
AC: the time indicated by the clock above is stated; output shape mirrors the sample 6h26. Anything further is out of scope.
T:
5h09
